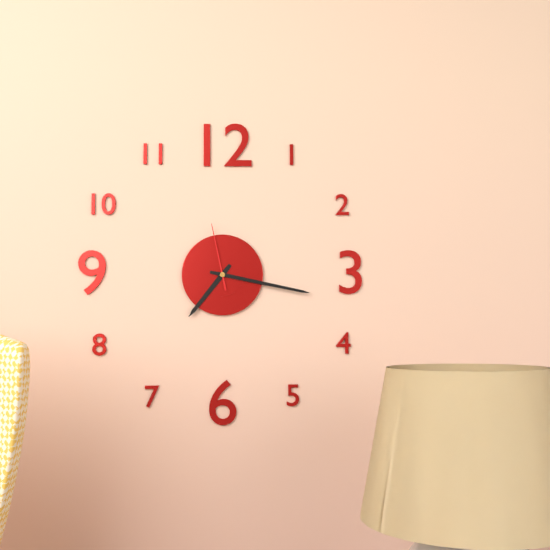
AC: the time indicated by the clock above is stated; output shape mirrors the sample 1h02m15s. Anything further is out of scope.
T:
7h17m58s
